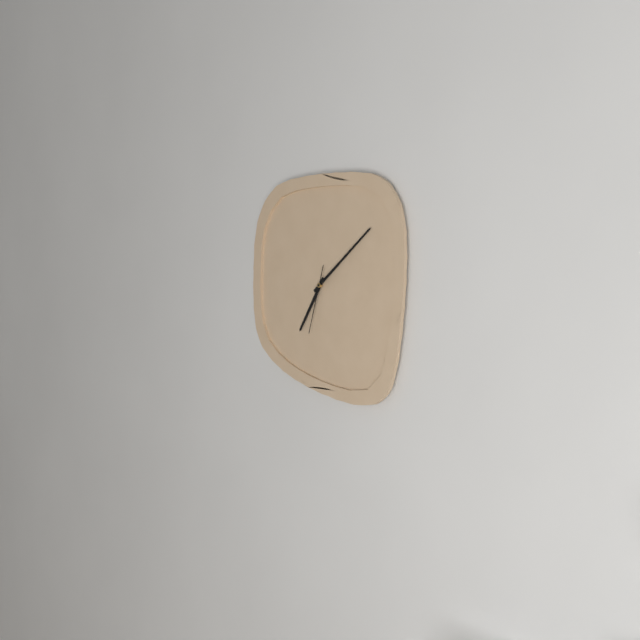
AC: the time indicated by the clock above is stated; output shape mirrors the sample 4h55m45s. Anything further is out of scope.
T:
7h09m33s
